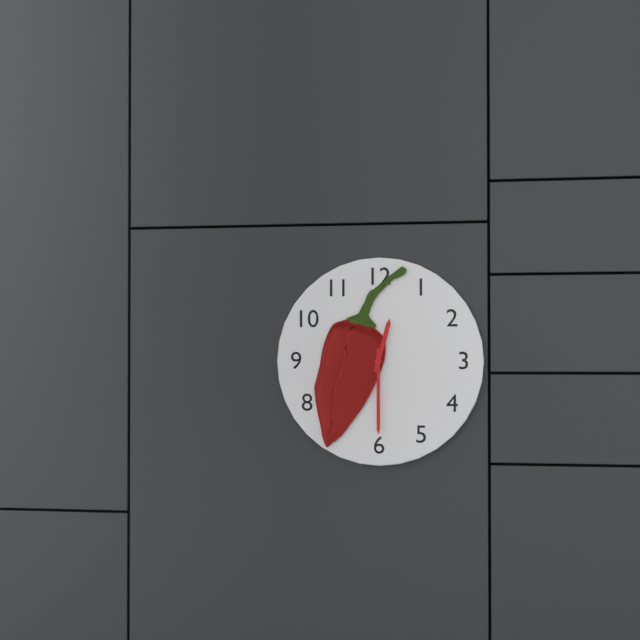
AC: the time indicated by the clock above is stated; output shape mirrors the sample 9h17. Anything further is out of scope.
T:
12h30
